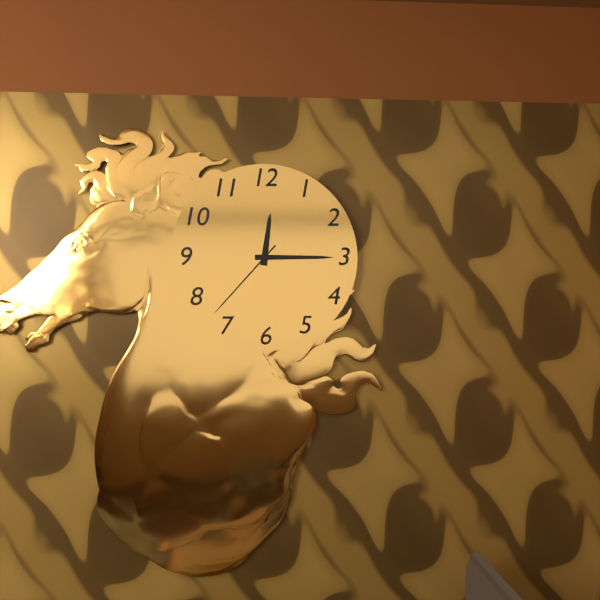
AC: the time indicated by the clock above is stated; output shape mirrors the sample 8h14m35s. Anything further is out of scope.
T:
12h15m37s
